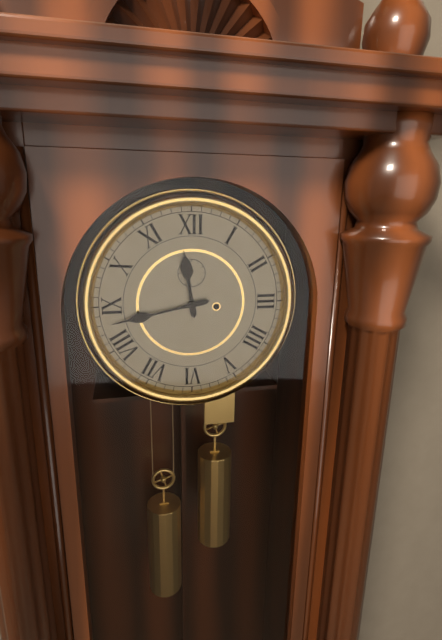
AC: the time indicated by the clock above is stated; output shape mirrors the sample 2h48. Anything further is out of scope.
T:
11h43
